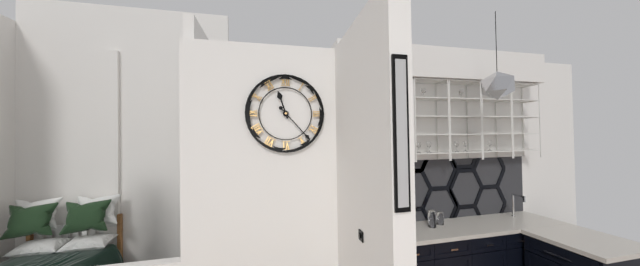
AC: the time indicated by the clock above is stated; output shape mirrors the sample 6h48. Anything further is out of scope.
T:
11h23
